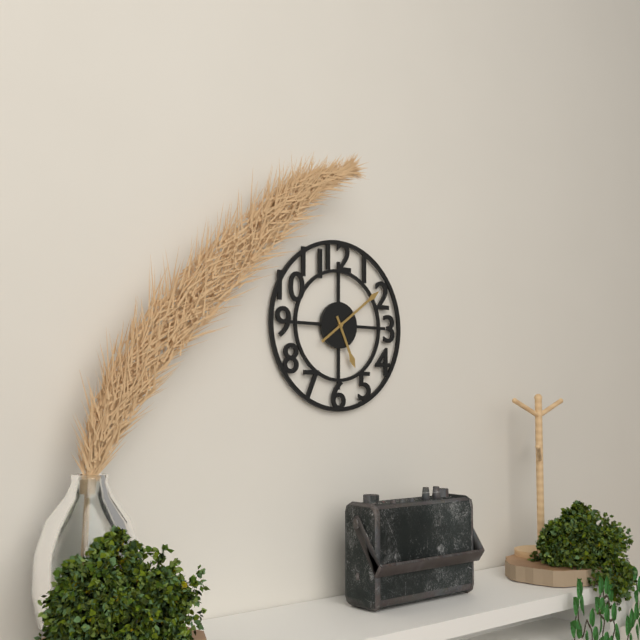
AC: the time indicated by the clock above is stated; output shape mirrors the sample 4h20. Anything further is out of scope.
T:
5h09
